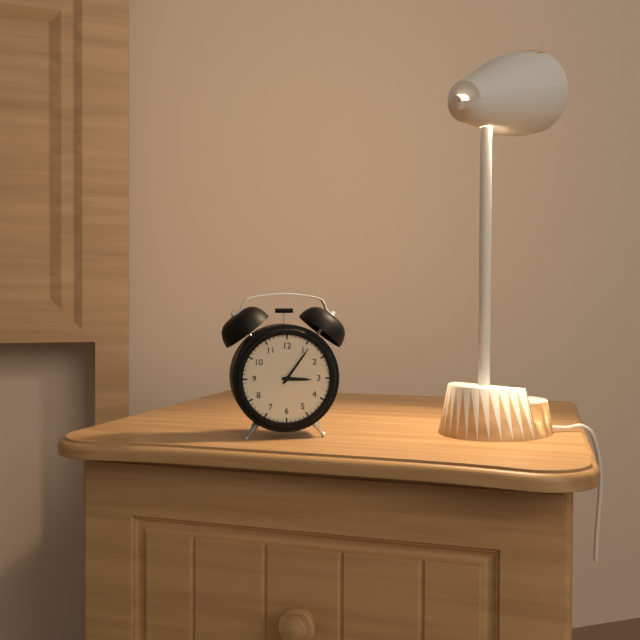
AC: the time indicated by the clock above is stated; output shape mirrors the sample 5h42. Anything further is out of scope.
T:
3h06
